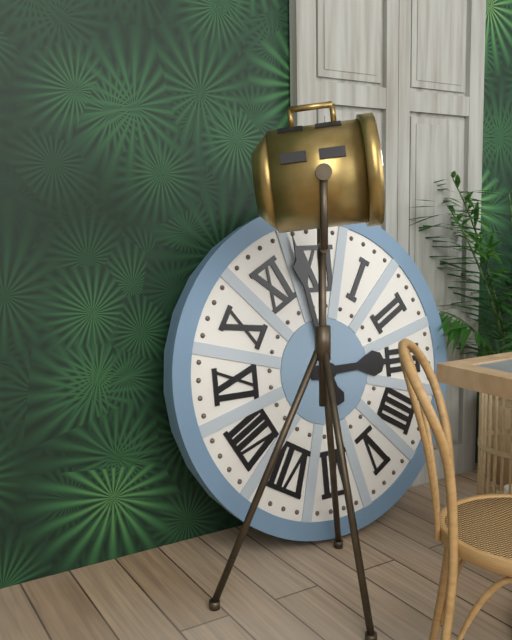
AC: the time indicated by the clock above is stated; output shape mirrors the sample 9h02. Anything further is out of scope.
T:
2h58
